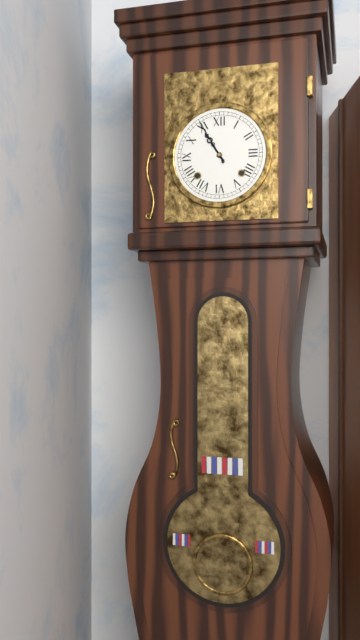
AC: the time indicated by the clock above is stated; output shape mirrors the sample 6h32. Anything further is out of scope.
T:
10h55
